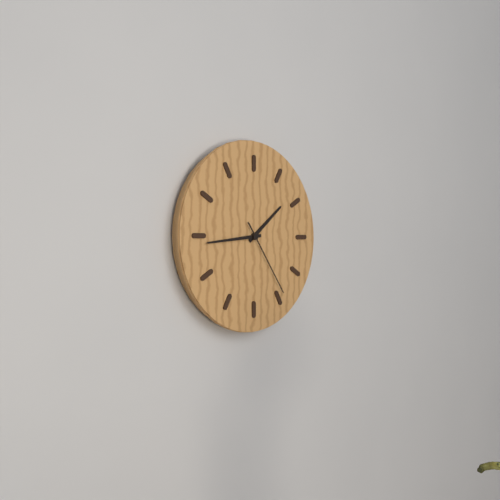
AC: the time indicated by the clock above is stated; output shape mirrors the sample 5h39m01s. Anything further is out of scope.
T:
1h44m24s
